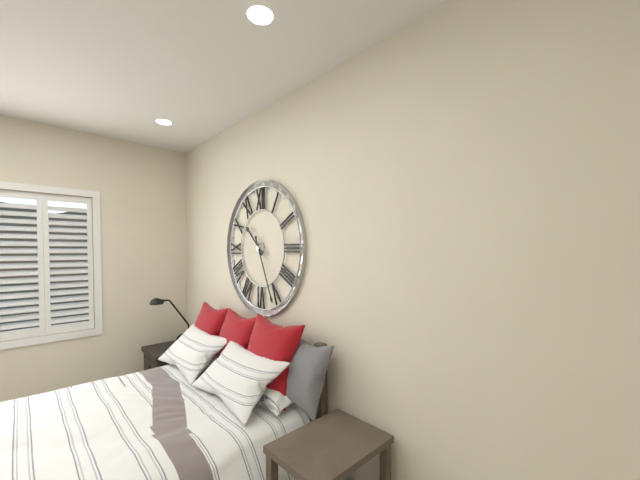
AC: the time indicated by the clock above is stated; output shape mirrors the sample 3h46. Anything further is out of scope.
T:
10h26
